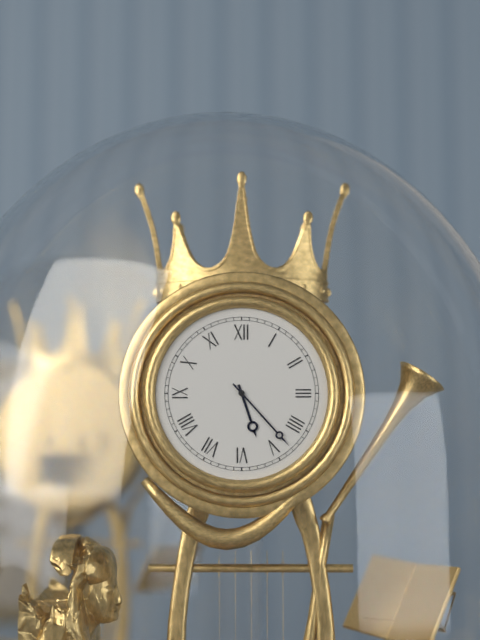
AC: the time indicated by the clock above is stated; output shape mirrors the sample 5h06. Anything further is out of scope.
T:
5h23
